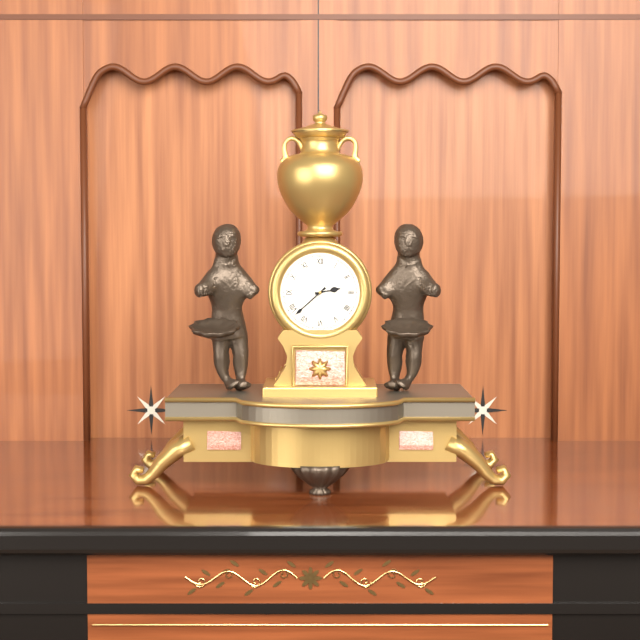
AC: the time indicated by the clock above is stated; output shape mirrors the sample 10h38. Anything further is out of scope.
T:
2h38
